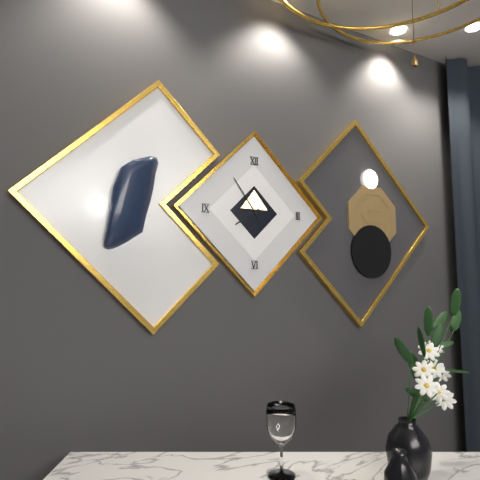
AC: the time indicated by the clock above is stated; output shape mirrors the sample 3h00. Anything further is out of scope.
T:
7h54
